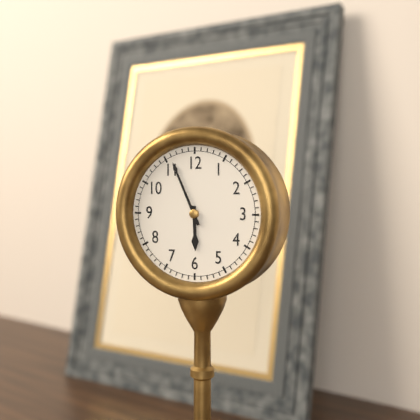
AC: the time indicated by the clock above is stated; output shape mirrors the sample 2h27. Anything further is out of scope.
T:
5h56
